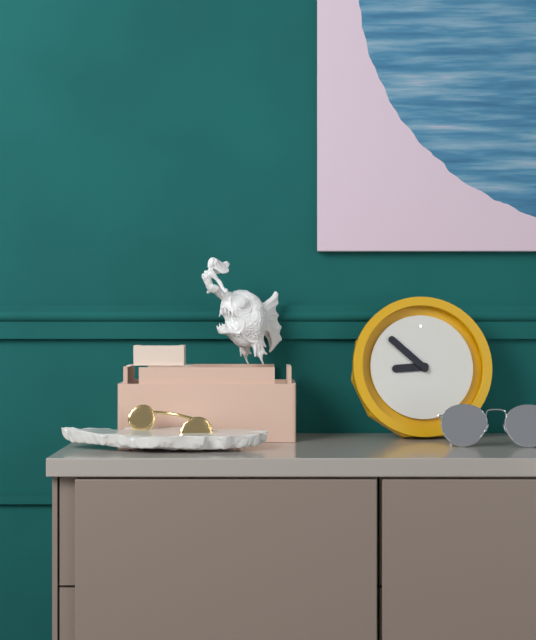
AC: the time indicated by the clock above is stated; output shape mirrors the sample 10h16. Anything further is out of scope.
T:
8h52
